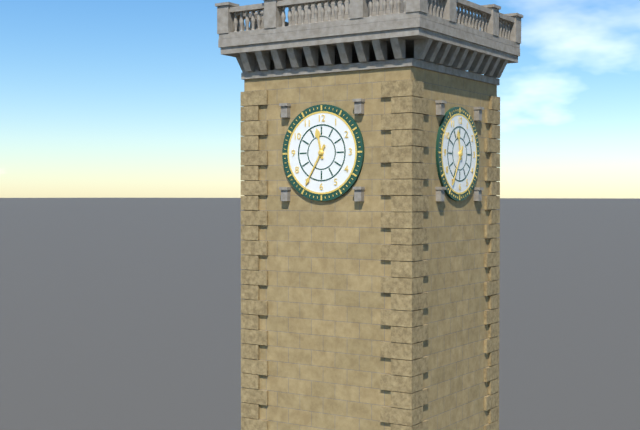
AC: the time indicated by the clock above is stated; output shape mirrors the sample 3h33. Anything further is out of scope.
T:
11h35
